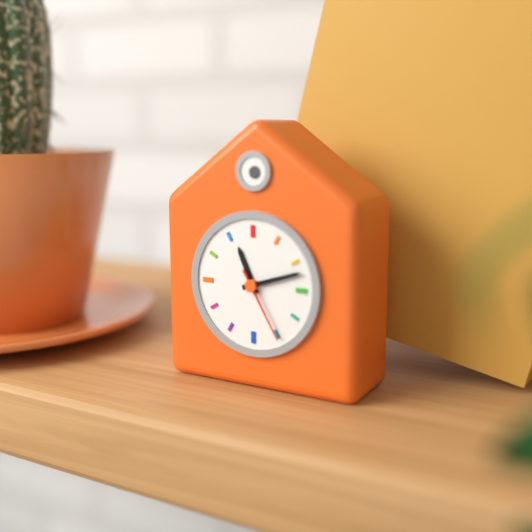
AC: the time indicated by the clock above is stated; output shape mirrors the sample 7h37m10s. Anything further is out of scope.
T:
11h12m25s
